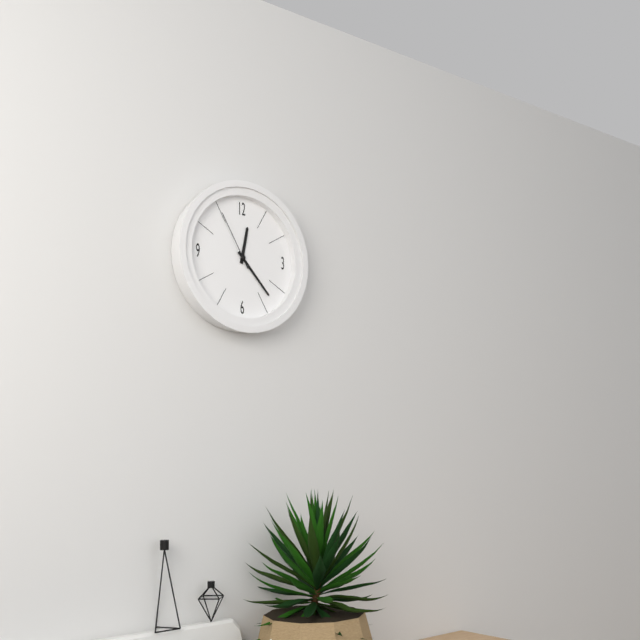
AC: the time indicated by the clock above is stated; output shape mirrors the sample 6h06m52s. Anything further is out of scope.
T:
12h23m55s
